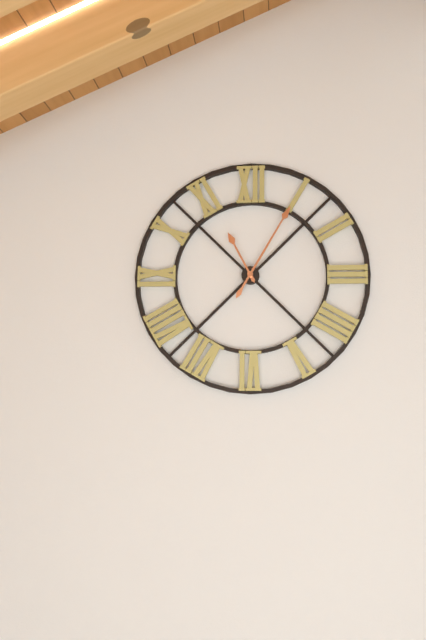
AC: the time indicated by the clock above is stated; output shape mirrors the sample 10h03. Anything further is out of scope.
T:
11h05
